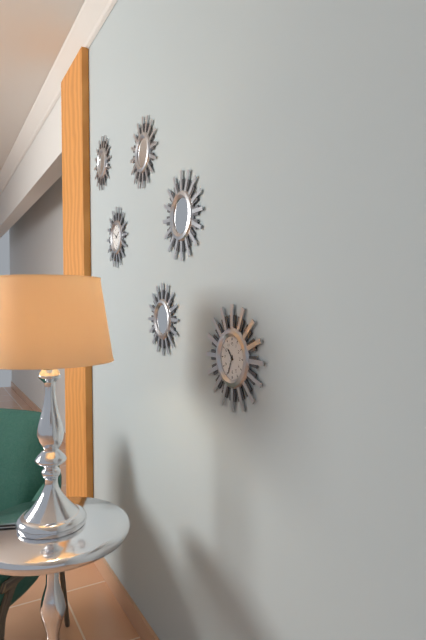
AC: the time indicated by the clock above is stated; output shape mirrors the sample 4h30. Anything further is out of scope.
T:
10h34
